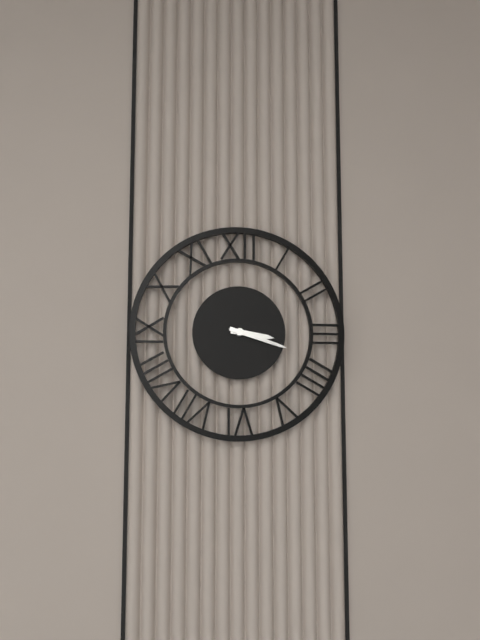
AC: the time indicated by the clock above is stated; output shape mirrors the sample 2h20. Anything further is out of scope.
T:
3h18
